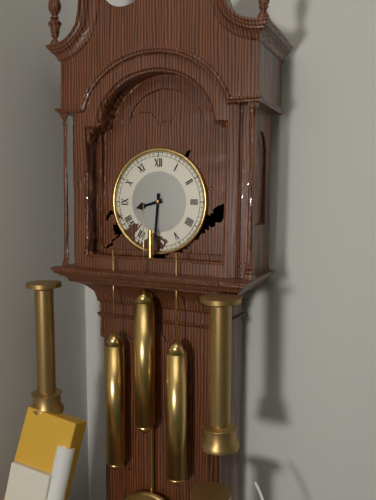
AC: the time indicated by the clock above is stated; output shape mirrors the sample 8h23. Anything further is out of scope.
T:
8h31
